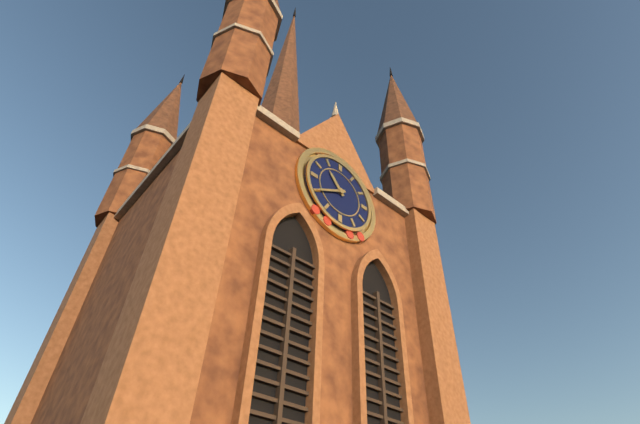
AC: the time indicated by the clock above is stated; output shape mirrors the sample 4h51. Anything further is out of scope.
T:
10h40
